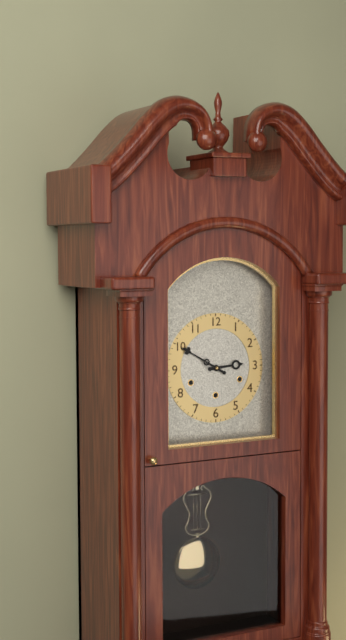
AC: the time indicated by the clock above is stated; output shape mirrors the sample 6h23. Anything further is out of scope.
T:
2h50
